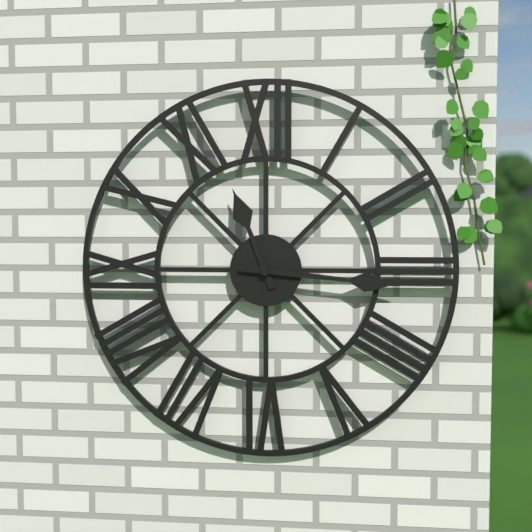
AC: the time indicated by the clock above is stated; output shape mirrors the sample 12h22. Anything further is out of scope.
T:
11h16
